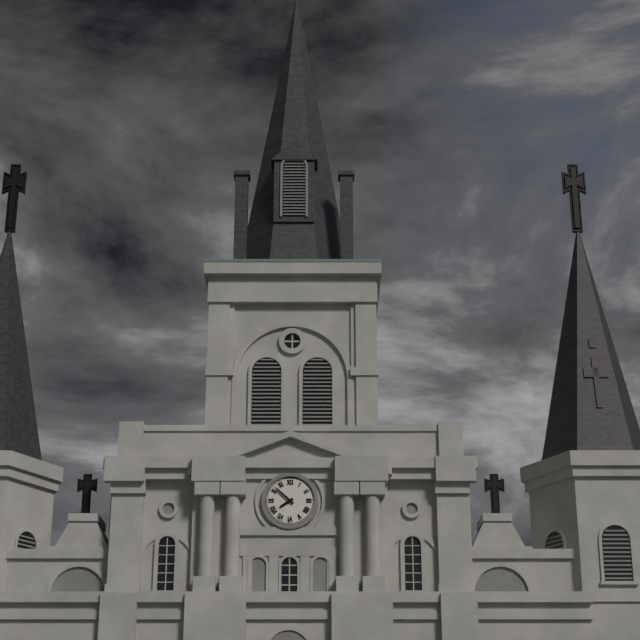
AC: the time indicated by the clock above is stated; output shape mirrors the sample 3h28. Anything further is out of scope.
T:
7h52
